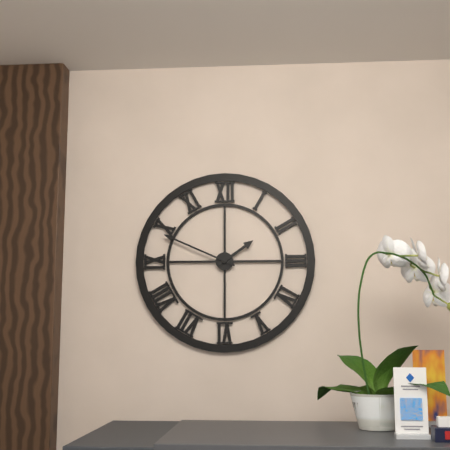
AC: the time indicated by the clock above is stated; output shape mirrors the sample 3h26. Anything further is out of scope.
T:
1h49
